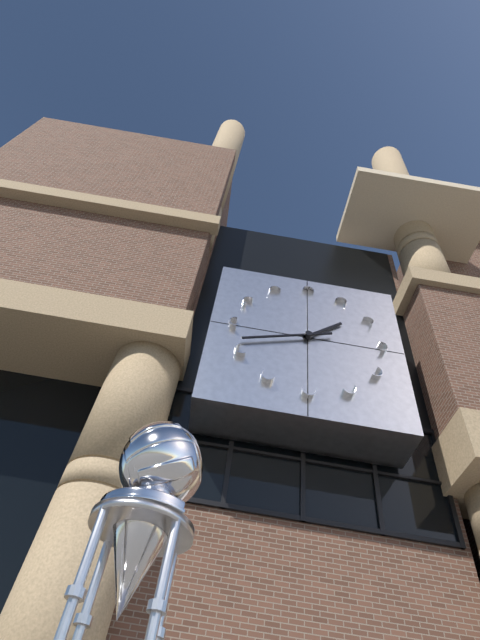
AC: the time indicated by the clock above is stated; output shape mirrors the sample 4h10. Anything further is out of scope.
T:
1h42
